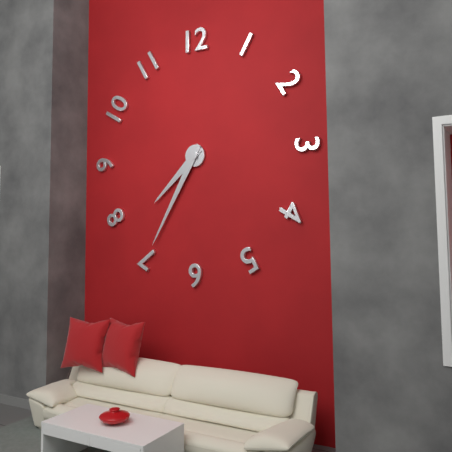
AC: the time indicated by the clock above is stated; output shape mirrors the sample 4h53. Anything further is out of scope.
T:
7h35
